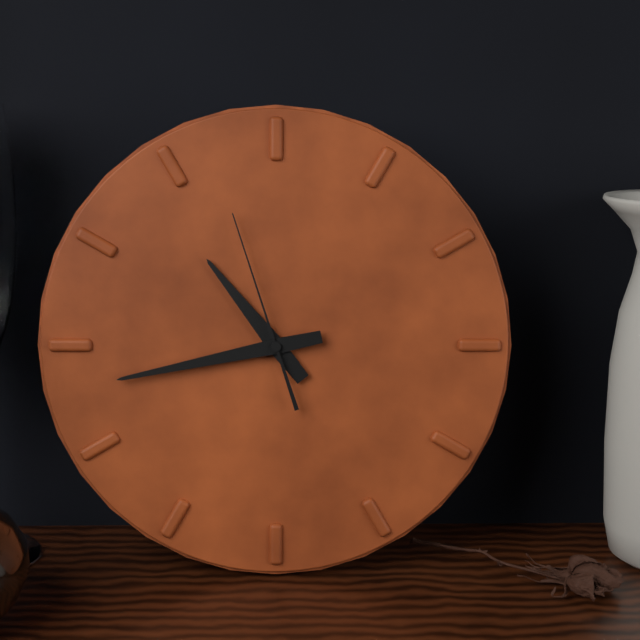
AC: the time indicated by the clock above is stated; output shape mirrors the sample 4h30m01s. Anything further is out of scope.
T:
10h43m57s
